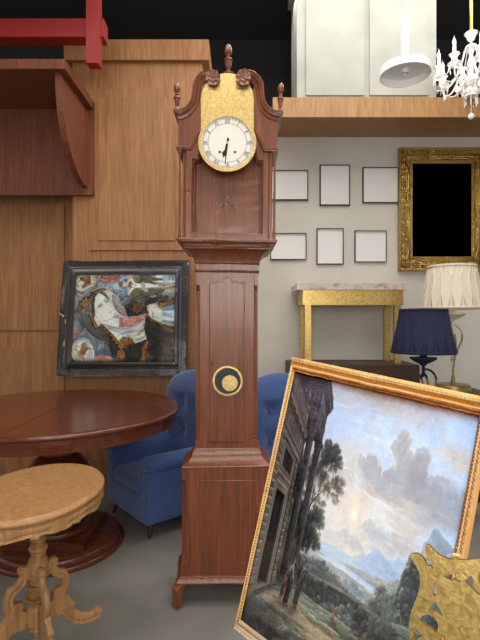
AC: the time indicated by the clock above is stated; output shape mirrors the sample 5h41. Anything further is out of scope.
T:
6h31
